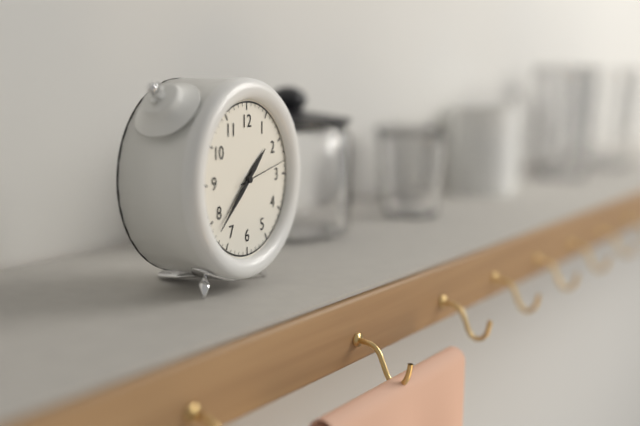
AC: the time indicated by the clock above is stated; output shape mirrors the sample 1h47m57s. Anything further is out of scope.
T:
1h38m13s
